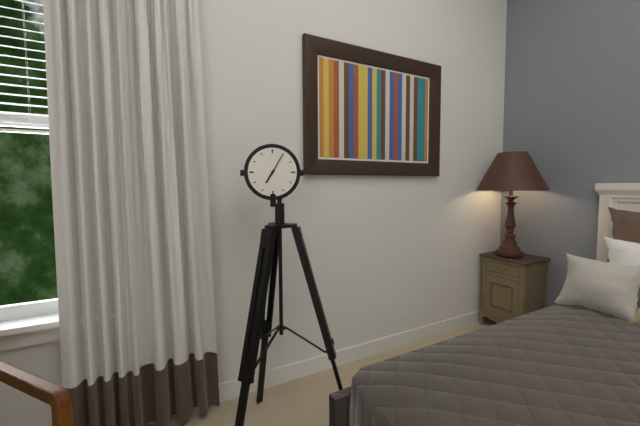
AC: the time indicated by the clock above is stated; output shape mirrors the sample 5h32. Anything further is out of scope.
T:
7h05
